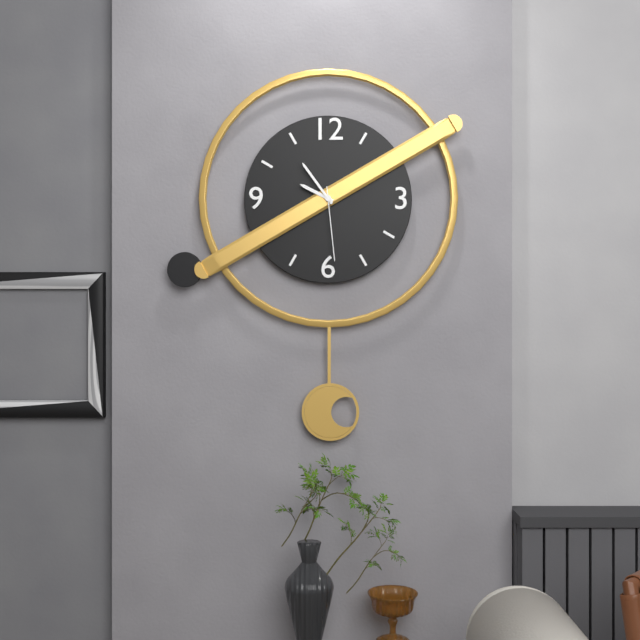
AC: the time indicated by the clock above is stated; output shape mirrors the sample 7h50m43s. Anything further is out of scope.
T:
9h54m29s
